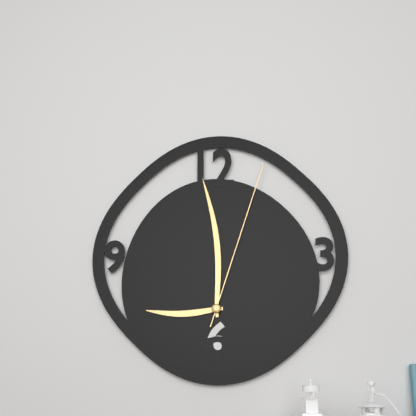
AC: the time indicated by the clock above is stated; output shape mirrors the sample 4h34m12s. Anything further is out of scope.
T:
8h59m03s
